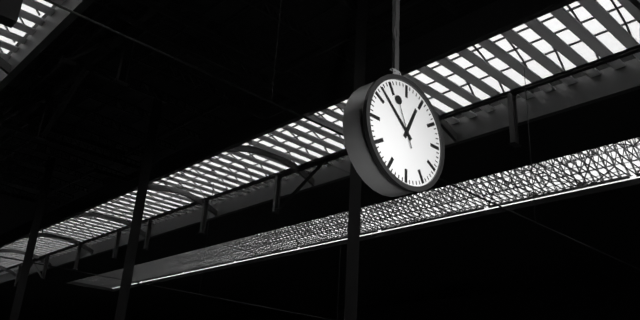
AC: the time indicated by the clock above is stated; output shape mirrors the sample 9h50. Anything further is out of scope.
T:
12h52
